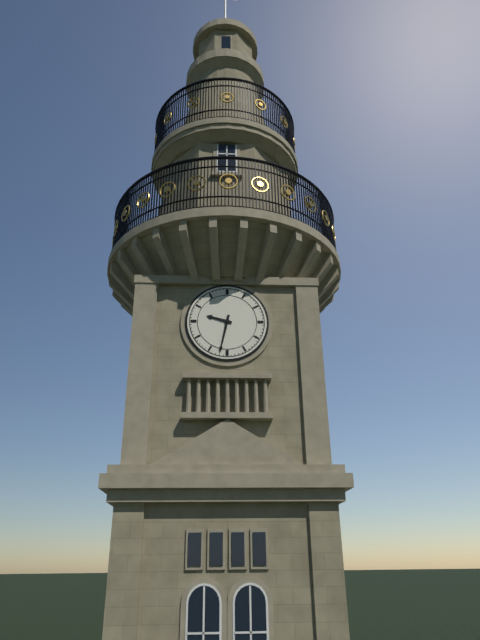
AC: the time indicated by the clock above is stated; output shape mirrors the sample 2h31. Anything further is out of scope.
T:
9h32
